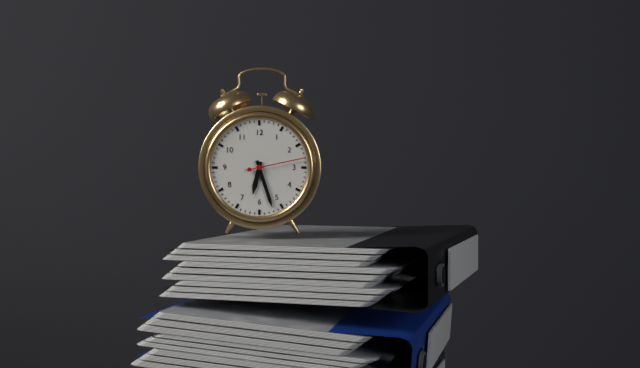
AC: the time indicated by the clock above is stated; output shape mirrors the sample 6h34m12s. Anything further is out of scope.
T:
6h27m13s
